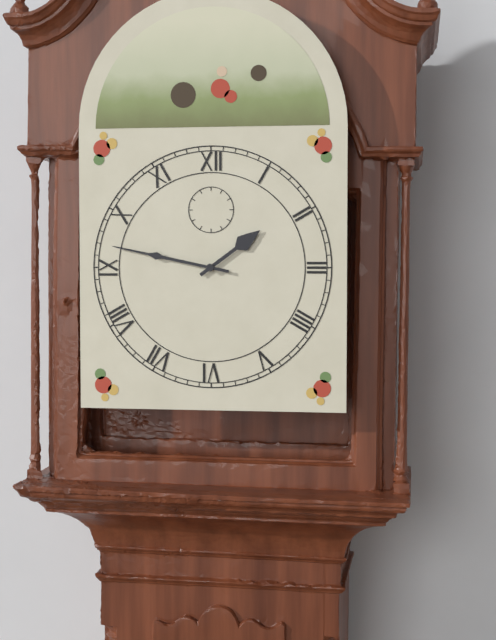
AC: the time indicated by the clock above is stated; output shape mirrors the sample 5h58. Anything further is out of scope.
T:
1h47
